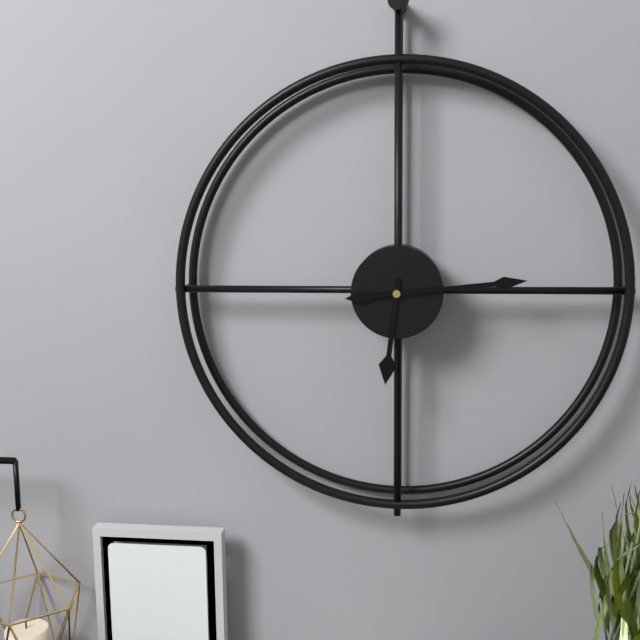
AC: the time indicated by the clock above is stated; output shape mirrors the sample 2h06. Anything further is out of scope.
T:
6h14
